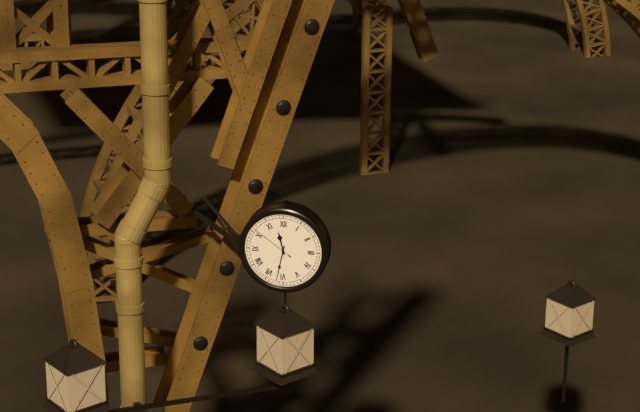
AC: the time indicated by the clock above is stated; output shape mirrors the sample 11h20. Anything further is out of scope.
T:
11h32
